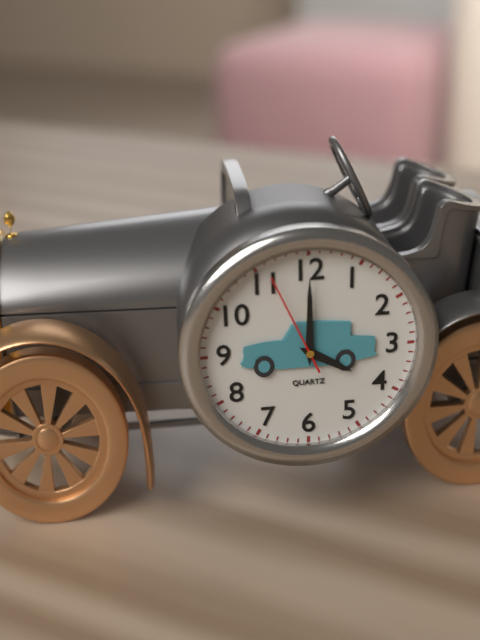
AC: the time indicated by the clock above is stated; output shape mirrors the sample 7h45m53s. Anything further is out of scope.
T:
4h00m56s
